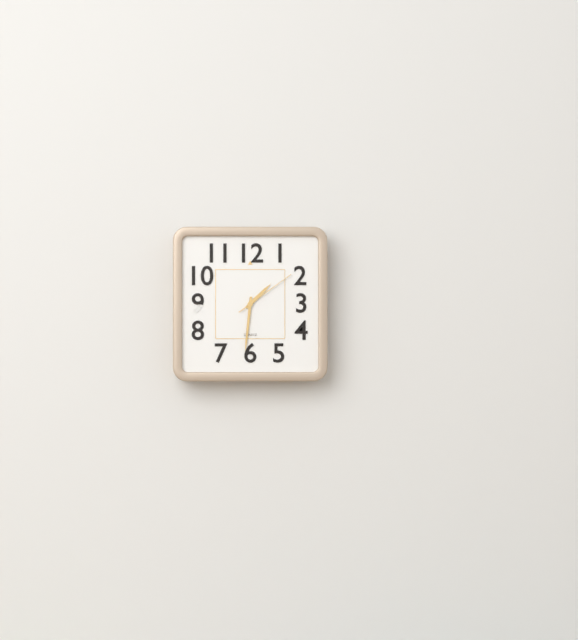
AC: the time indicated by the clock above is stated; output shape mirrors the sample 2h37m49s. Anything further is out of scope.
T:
1h31m09s
